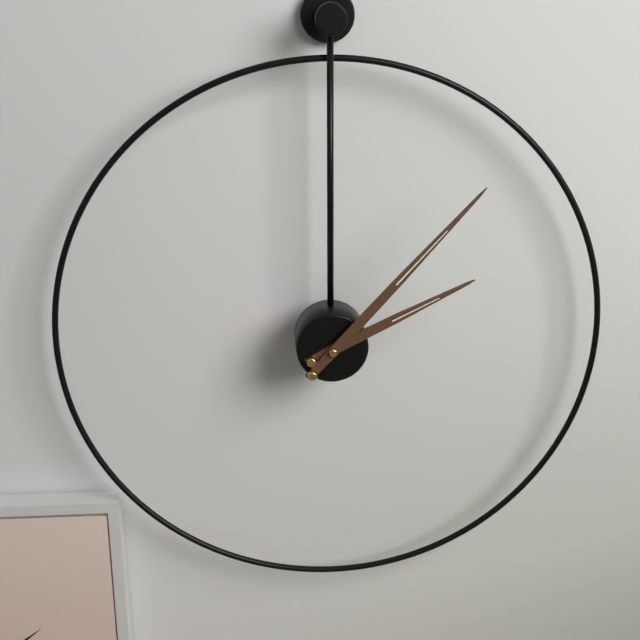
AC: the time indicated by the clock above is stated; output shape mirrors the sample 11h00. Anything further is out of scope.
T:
2h07
